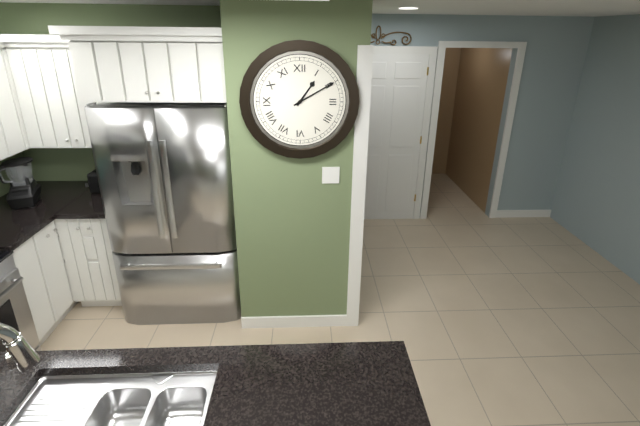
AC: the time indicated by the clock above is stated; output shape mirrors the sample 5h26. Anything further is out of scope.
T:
1h10
